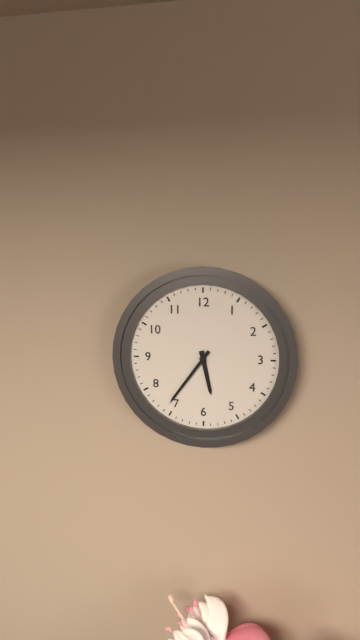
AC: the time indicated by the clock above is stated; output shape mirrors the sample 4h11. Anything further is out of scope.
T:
5h36
